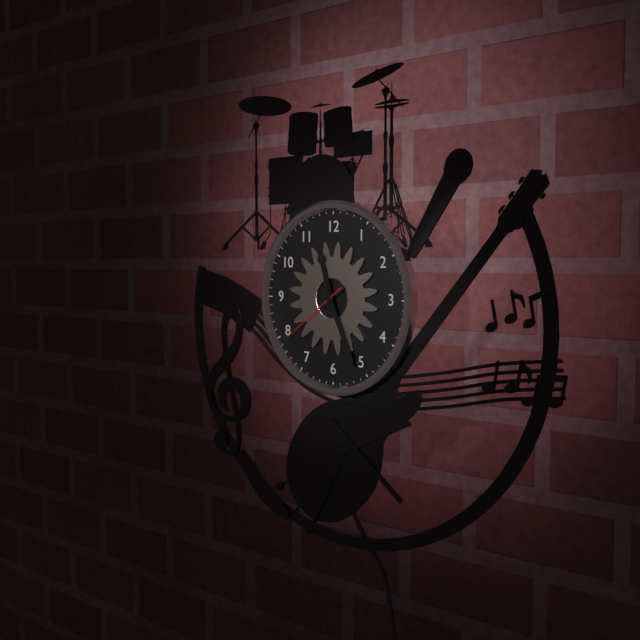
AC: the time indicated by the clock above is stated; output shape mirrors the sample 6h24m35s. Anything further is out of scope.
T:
11h26m39s
